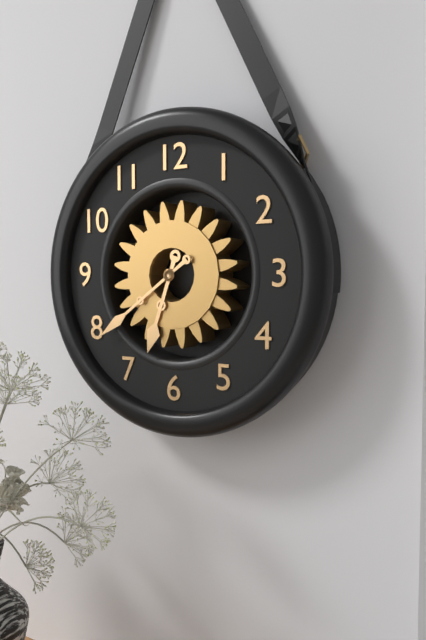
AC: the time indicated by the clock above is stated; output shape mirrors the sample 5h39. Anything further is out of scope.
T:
6h39
